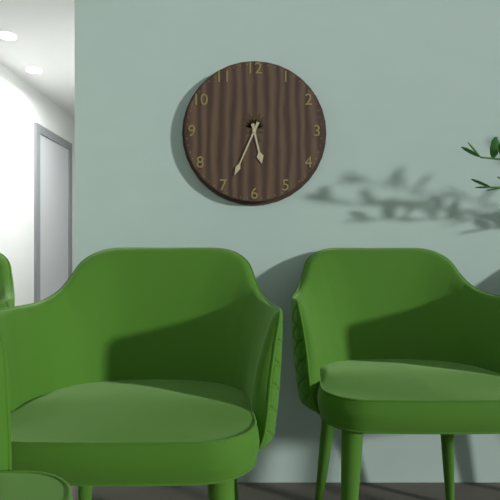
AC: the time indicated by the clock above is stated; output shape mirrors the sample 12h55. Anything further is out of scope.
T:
5h34
